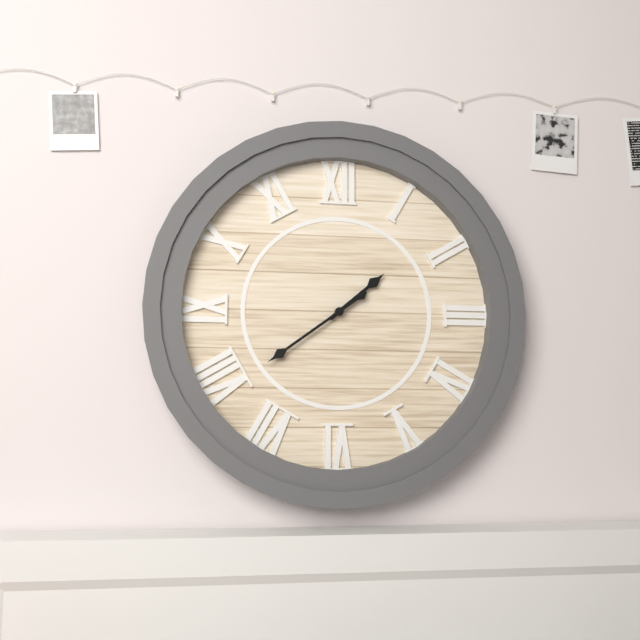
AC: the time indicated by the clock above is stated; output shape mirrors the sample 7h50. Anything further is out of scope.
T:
1h39
